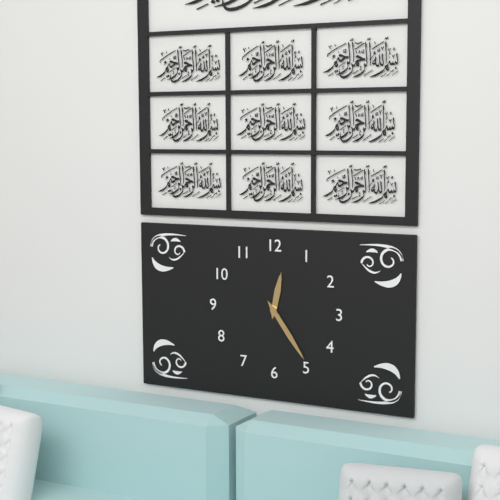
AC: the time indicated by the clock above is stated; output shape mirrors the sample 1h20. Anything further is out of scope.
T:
12h24
